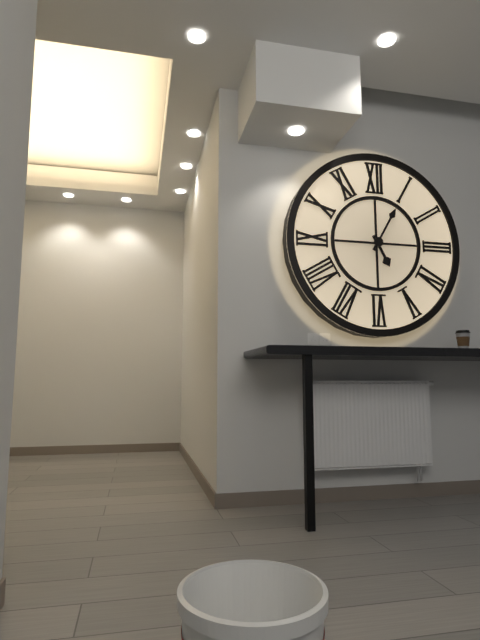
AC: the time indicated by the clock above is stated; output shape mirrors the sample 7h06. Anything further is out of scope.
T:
5h05
